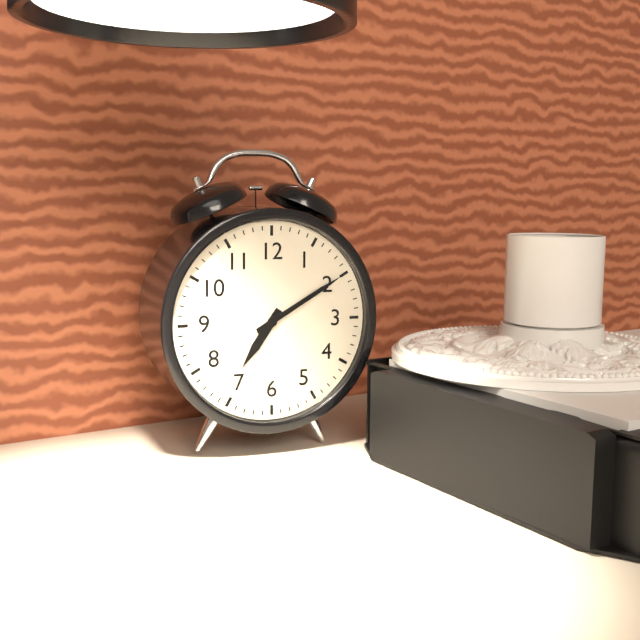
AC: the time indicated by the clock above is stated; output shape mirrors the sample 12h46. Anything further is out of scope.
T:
7h10
